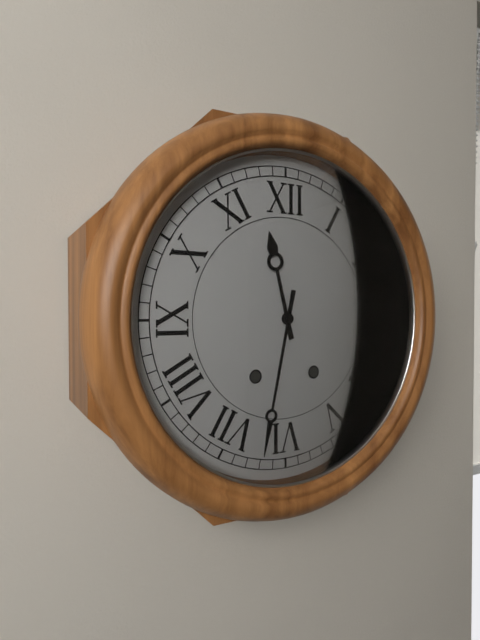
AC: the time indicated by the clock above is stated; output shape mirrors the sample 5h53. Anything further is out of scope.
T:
11h32
